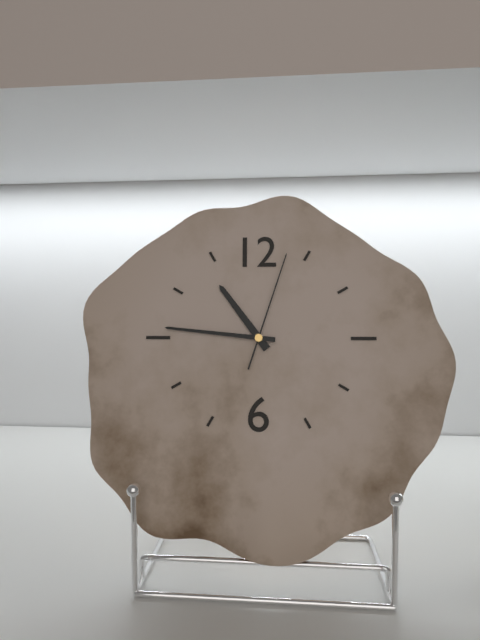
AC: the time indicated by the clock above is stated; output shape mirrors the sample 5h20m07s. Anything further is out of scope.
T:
10h46m03s
